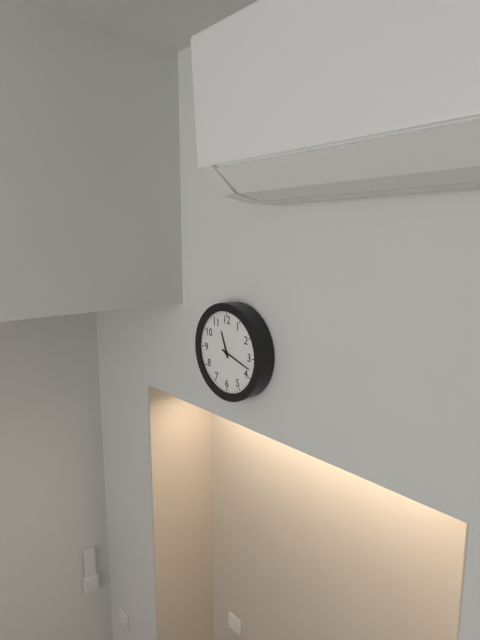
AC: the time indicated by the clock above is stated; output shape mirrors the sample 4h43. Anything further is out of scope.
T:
11h18
